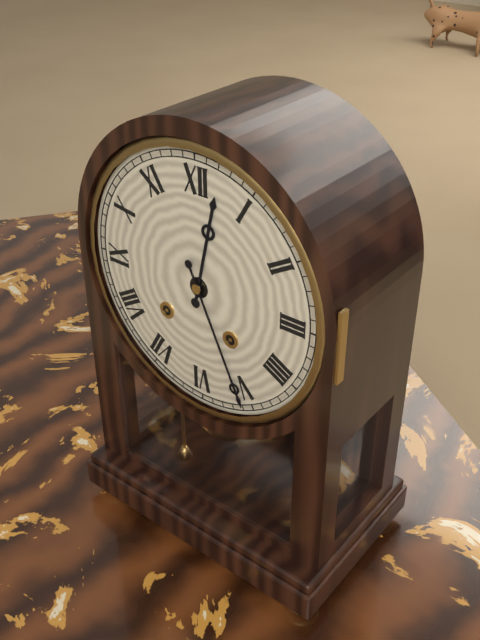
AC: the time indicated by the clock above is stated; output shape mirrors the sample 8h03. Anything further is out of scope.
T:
12h26
